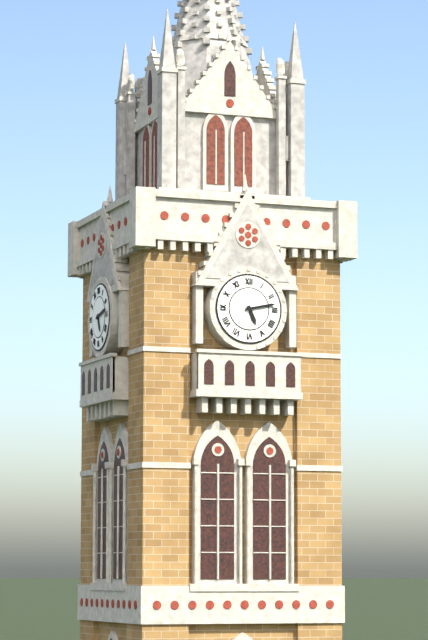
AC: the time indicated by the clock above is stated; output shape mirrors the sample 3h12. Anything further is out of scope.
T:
5h13
